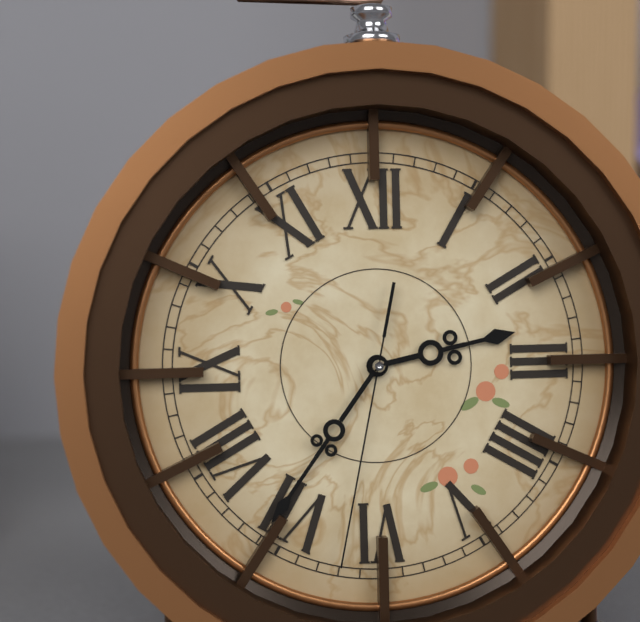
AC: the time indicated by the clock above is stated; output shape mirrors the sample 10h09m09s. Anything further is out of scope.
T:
2h36m32s
